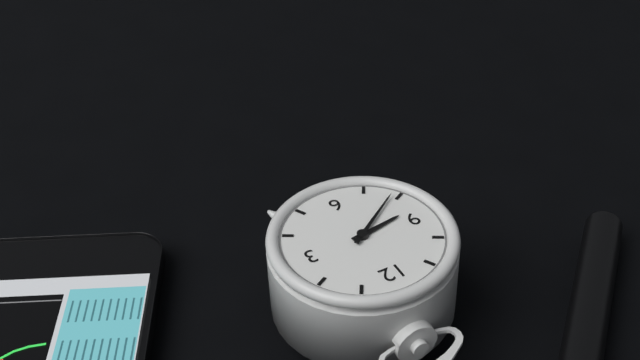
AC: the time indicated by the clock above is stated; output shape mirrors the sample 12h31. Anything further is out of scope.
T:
8h39
